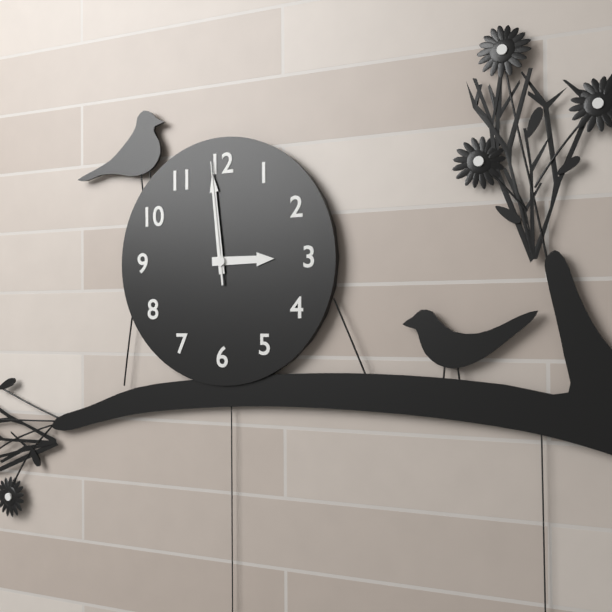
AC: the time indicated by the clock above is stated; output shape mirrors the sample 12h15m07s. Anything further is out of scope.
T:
2h59m59s
